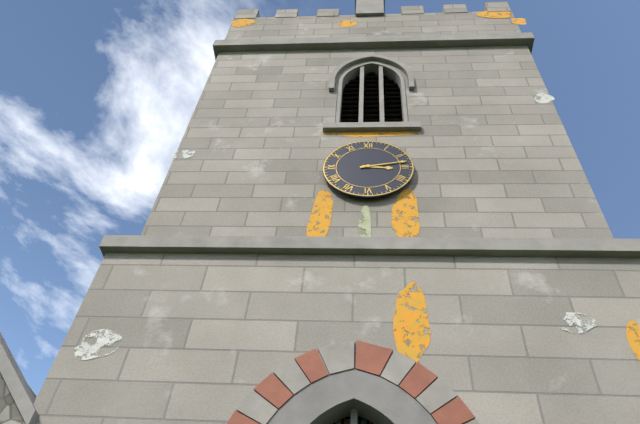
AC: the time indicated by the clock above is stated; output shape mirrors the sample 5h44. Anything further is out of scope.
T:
3h13
